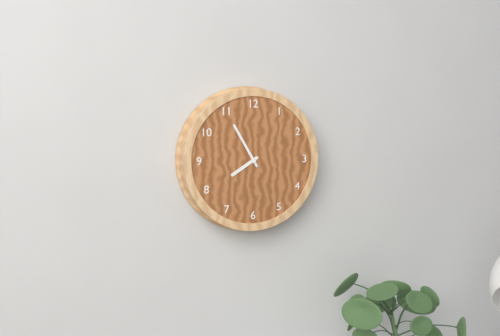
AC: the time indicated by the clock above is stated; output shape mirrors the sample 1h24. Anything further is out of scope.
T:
7h55
